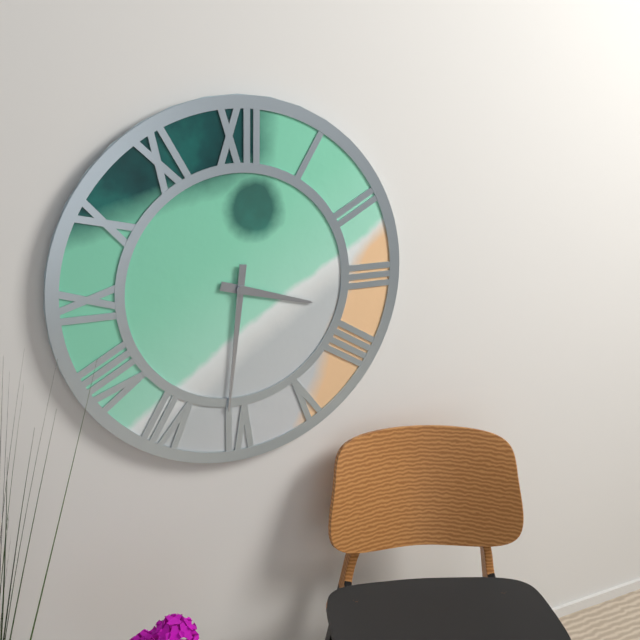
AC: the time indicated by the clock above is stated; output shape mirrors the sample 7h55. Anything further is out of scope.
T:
3h31
